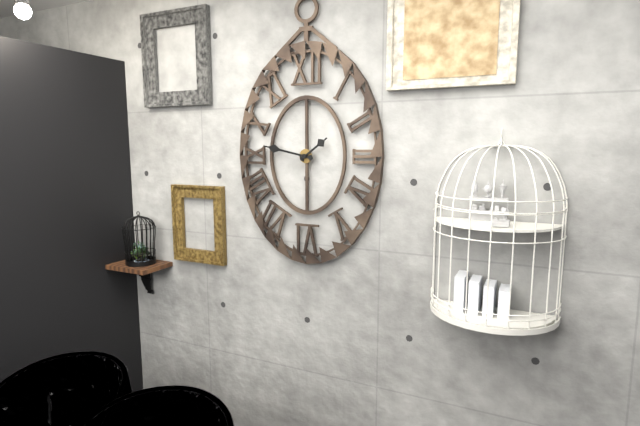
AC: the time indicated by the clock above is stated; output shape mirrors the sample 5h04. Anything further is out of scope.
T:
1h47
